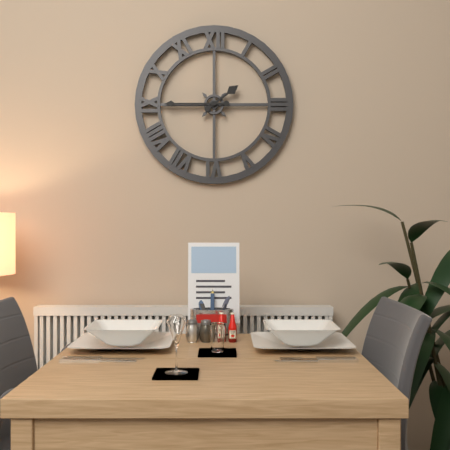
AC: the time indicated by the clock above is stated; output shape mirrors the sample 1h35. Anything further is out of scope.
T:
1h45
